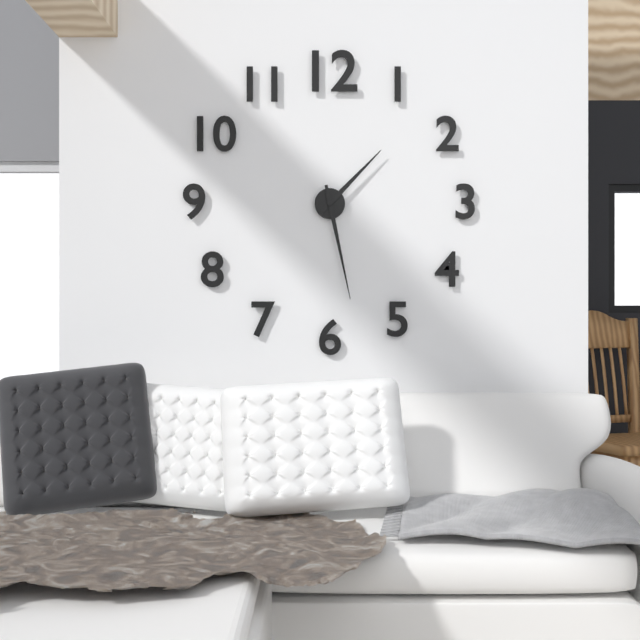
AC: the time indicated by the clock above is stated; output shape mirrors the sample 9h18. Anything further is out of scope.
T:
1h28
